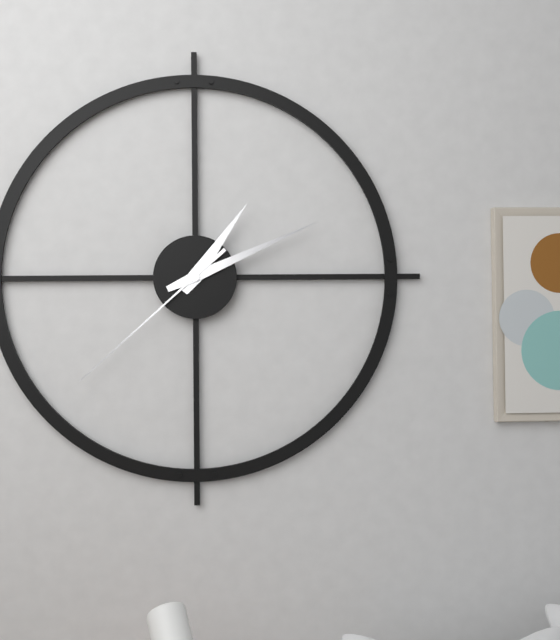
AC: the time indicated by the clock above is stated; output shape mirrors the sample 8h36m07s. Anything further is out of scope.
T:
1h11m38s
